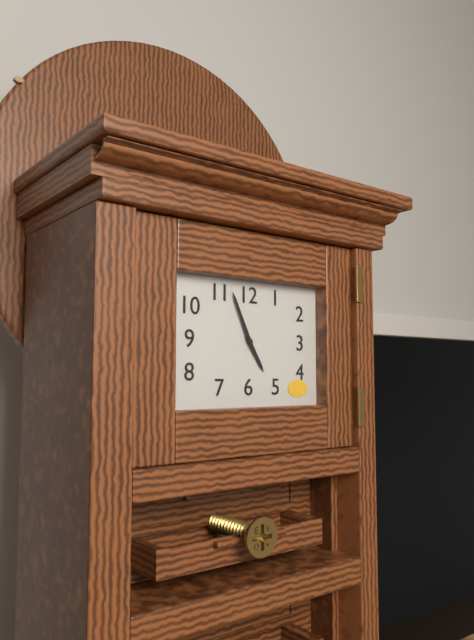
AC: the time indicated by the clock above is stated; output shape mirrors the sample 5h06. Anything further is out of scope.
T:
4h56
